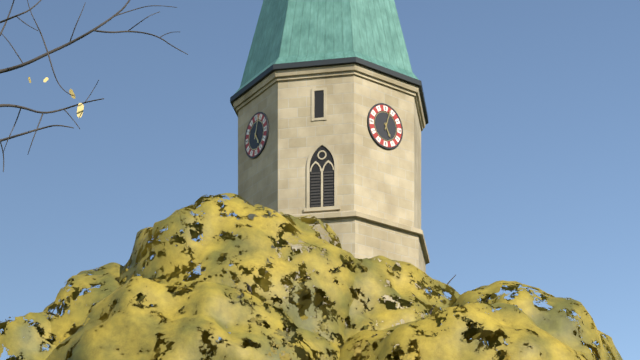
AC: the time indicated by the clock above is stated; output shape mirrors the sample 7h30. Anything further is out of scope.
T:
5h03
